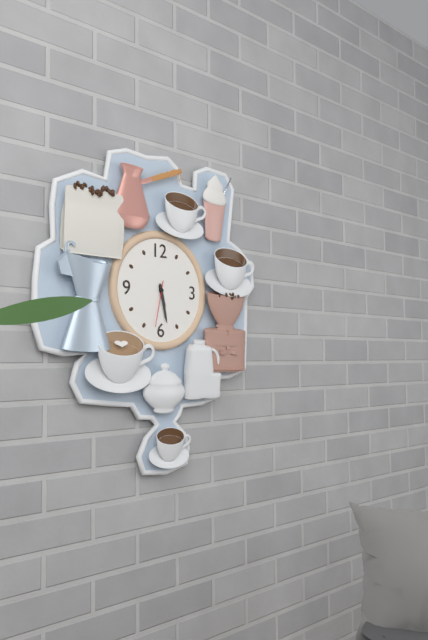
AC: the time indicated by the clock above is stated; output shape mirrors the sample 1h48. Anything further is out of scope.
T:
5h28
